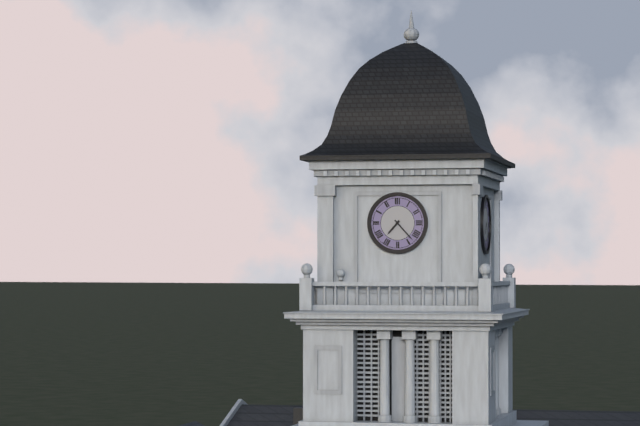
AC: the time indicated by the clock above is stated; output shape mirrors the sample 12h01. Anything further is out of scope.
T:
7h23
